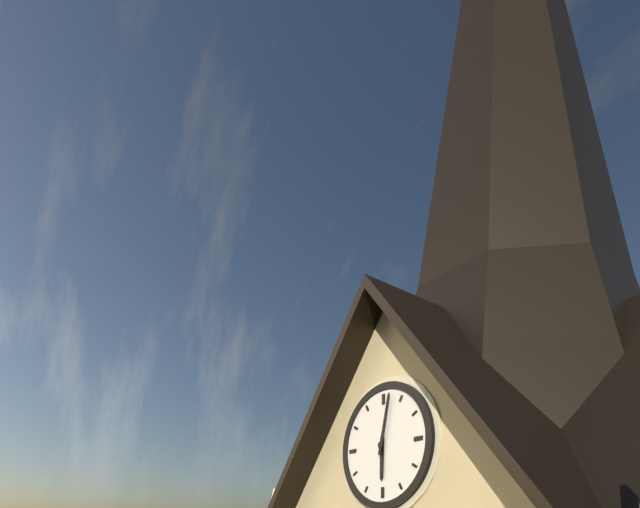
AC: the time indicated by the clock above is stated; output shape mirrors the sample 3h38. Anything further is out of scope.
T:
6h02
